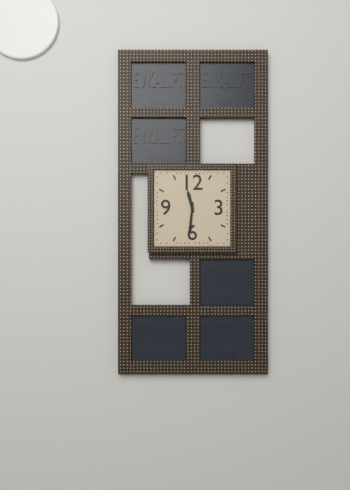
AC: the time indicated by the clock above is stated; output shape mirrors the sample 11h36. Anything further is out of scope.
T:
11h31
